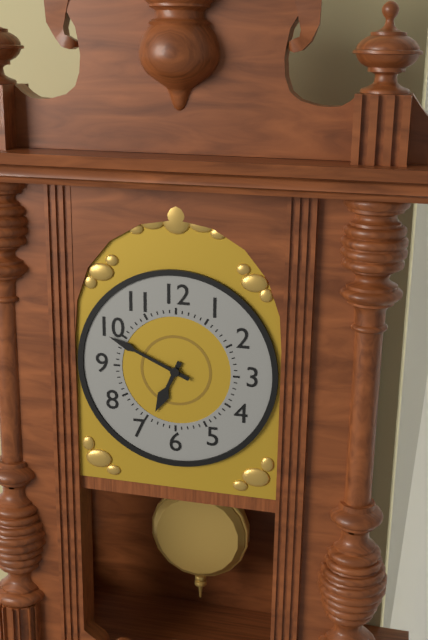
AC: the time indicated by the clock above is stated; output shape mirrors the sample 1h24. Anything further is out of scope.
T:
6h49
